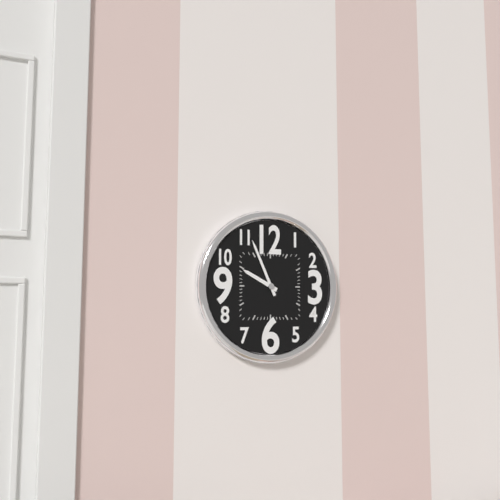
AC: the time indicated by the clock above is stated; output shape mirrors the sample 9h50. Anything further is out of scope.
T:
9h56
